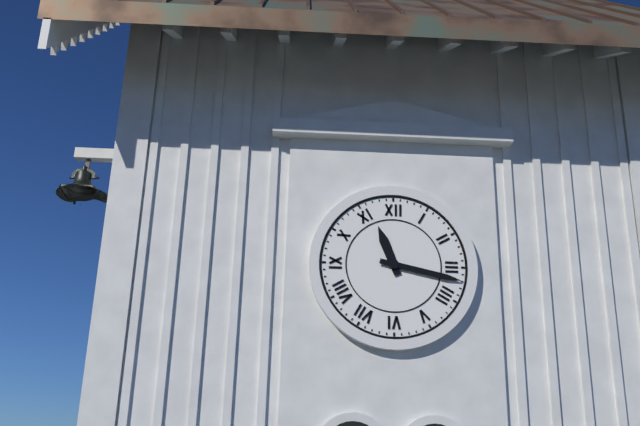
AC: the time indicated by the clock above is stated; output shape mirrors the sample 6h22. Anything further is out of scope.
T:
11h17
